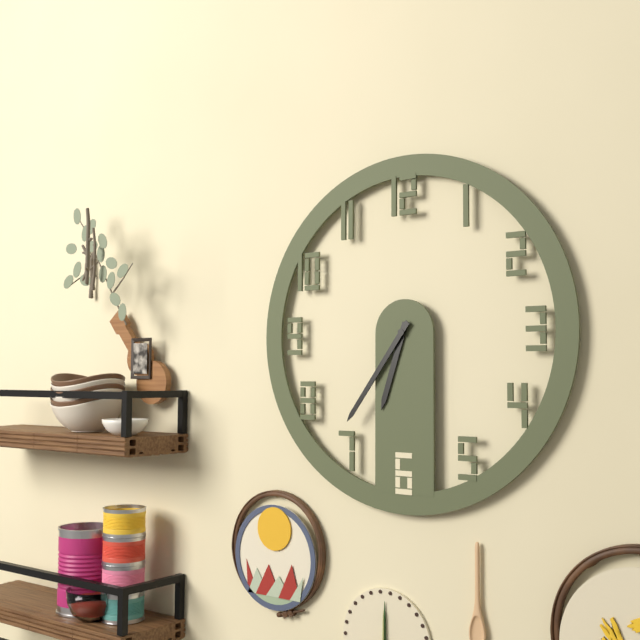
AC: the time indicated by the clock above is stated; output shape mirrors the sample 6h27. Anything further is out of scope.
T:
6h36
